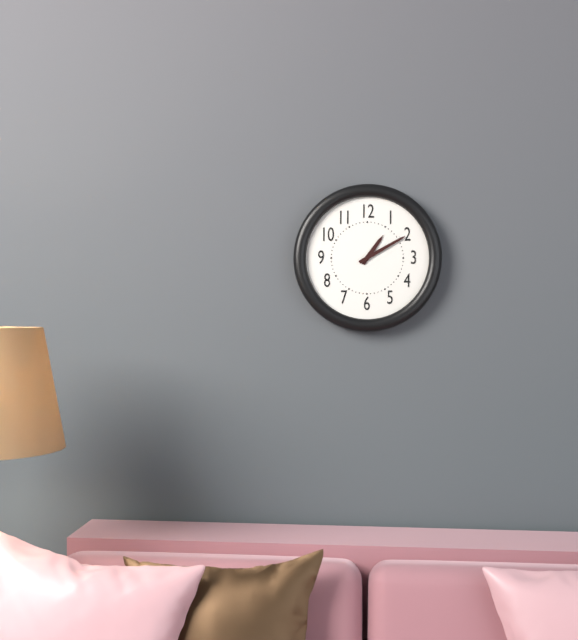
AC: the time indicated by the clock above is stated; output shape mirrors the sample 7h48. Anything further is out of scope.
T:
1h10
